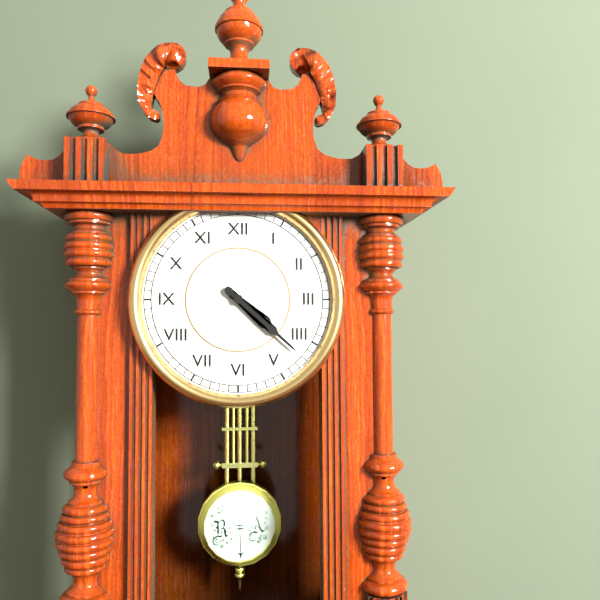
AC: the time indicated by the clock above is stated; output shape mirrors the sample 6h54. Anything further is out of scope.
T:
4h22
